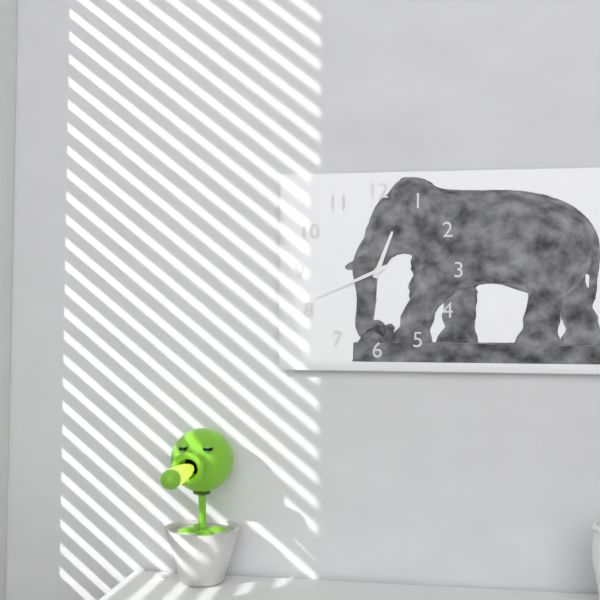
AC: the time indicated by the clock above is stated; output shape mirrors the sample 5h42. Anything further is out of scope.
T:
12h41
